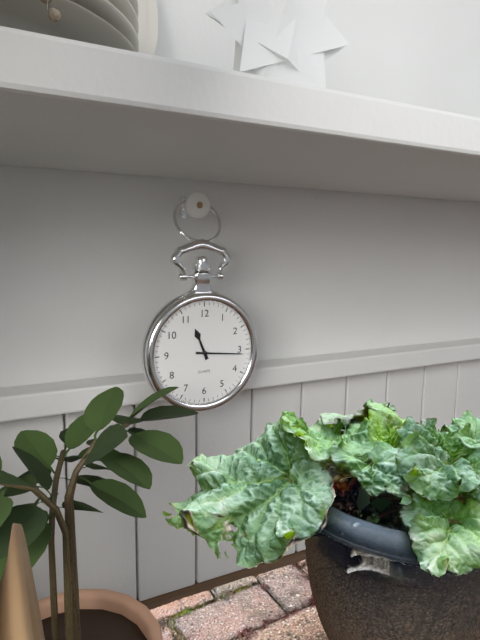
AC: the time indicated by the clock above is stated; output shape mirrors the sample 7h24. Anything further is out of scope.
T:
11h16
